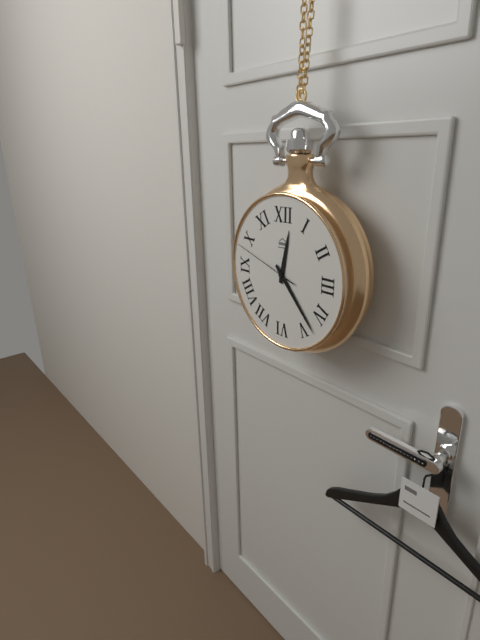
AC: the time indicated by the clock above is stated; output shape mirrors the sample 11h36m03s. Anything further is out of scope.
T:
12h23m48s
